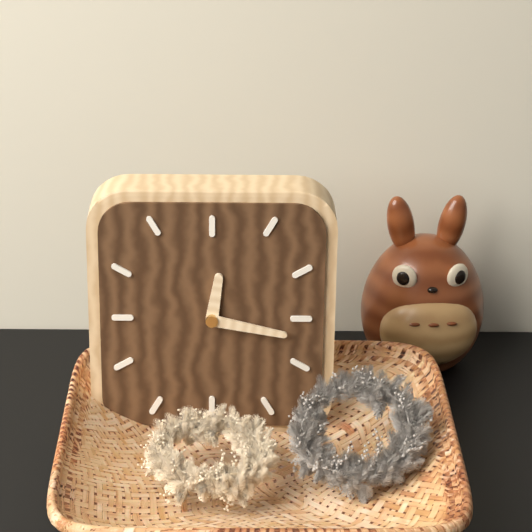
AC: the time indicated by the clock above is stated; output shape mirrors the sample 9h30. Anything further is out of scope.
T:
12h17
